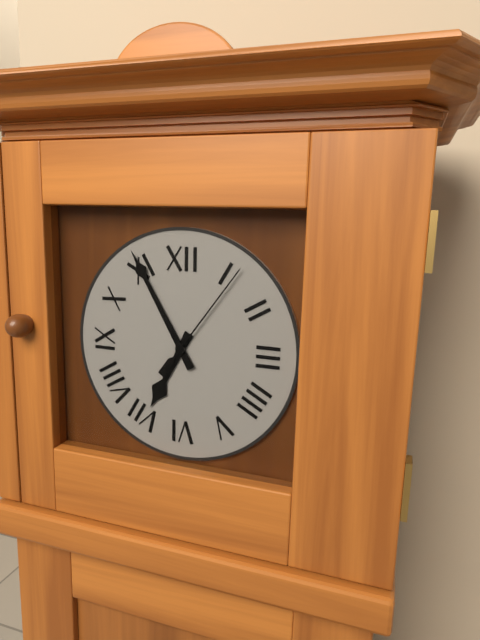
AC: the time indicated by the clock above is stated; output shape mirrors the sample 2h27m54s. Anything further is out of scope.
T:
6h55m06s
